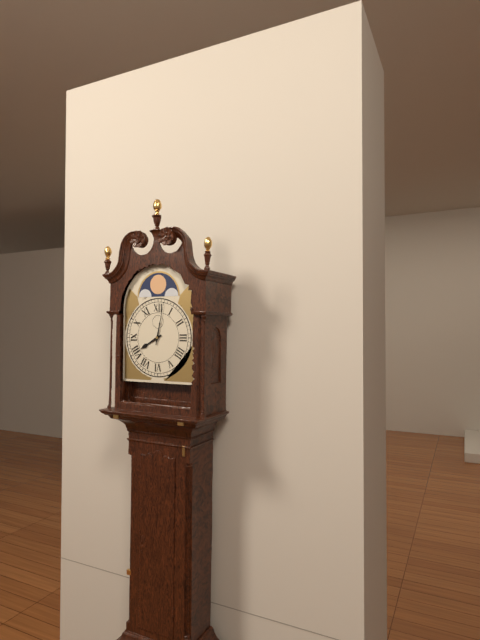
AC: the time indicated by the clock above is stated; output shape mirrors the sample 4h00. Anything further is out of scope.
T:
8h02
